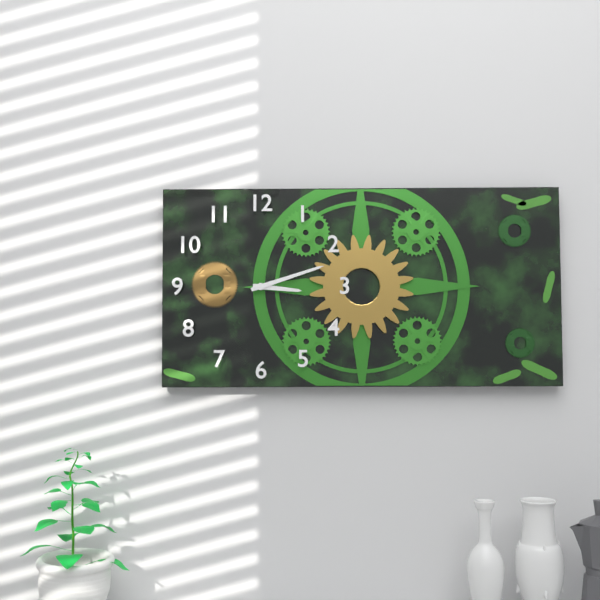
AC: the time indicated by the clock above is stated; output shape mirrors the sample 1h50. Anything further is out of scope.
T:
3h12
